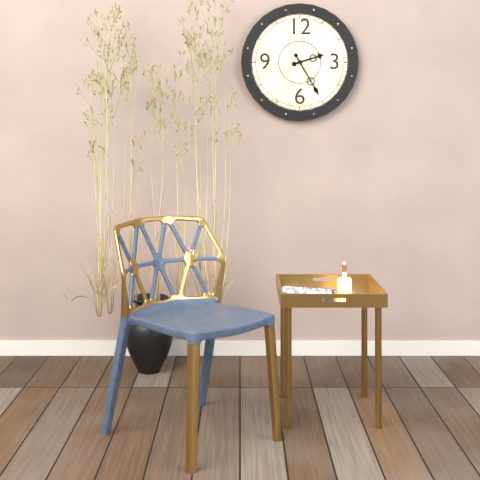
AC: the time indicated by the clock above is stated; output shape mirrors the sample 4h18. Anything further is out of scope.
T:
2h25
